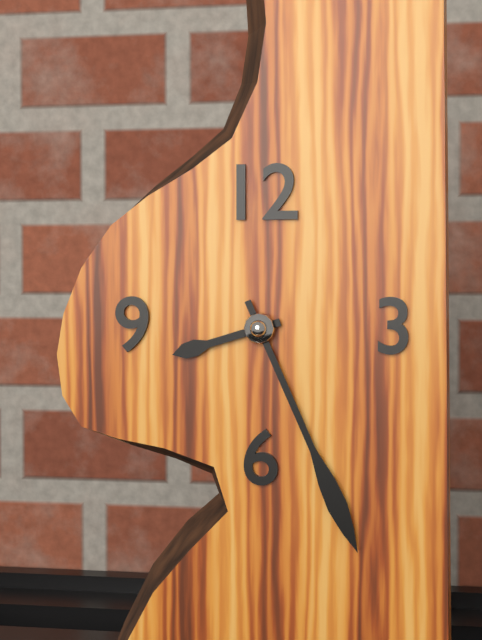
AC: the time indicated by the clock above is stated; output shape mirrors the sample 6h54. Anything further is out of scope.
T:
8h26
